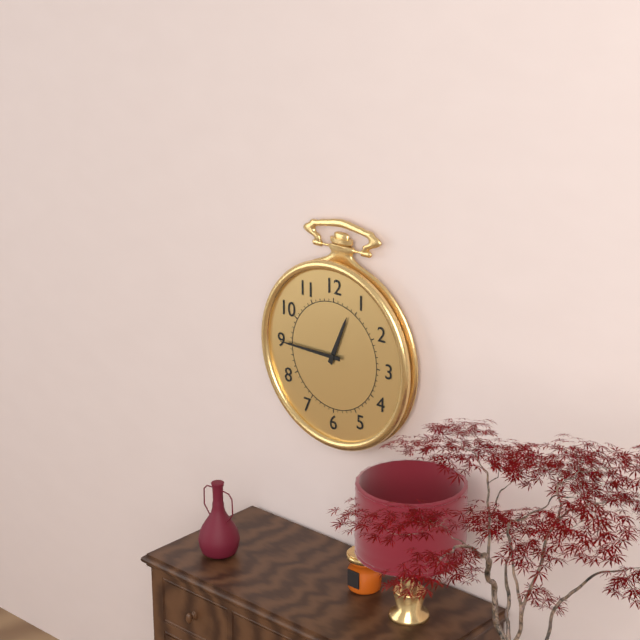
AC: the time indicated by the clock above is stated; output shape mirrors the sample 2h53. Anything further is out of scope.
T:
12h45
